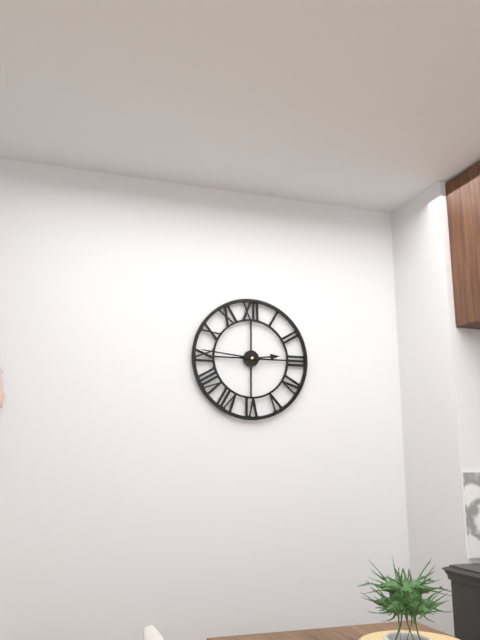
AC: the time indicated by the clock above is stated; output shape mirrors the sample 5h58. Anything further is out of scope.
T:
2h46
